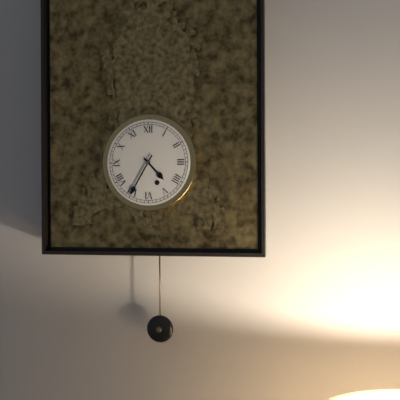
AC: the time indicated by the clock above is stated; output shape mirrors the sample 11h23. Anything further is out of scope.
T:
4h35
